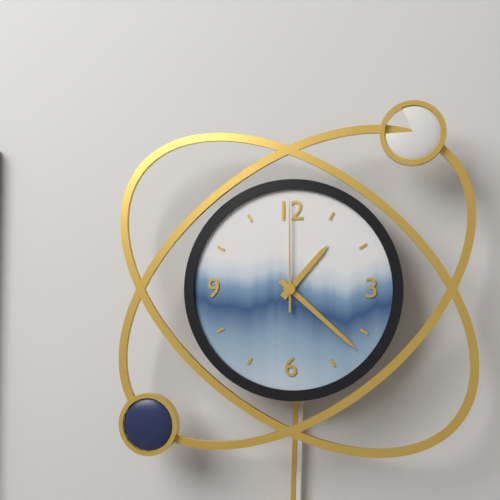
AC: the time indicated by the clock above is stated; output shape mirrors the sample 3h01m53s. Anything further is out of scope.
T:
1h22m00s
